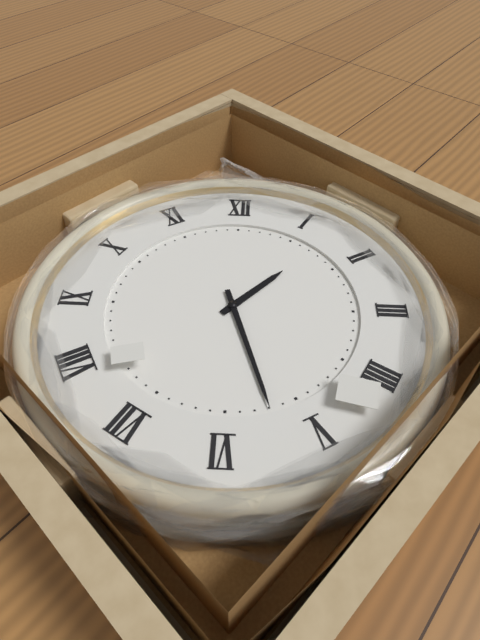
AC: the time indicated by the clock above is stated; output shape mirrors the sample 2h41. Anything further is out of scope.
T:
1h27
